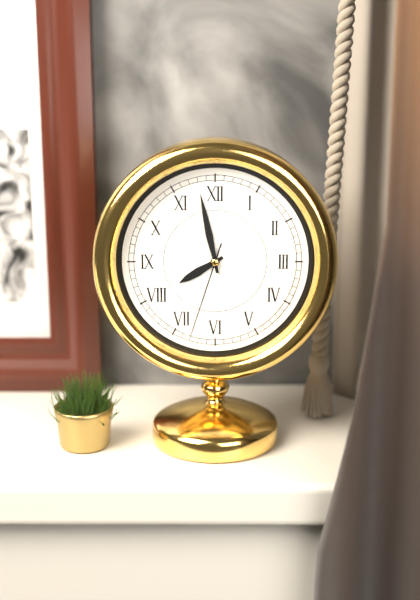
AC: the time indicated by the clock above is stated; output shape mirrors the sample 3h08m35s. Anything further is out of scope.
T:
7h58m33s
